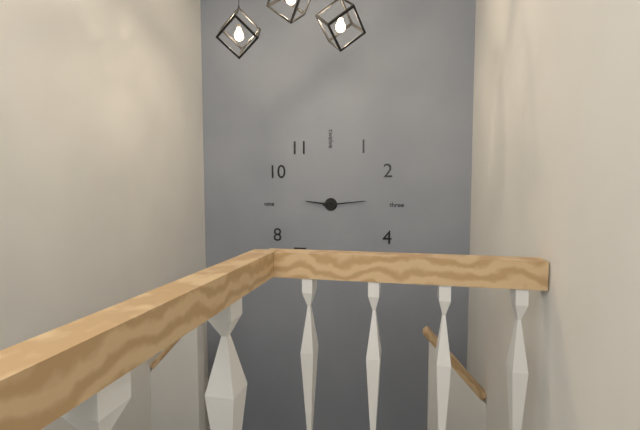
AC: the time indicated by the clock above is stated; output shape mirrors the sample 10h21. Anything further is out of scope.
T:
9h14
